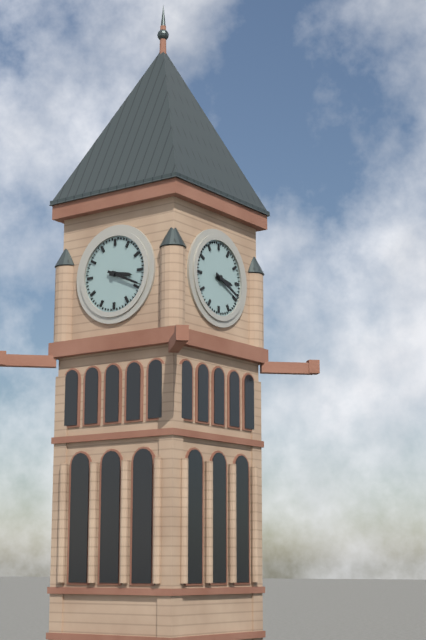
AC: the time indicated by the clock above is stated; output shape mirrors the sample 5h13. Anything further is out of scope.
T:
3h19
